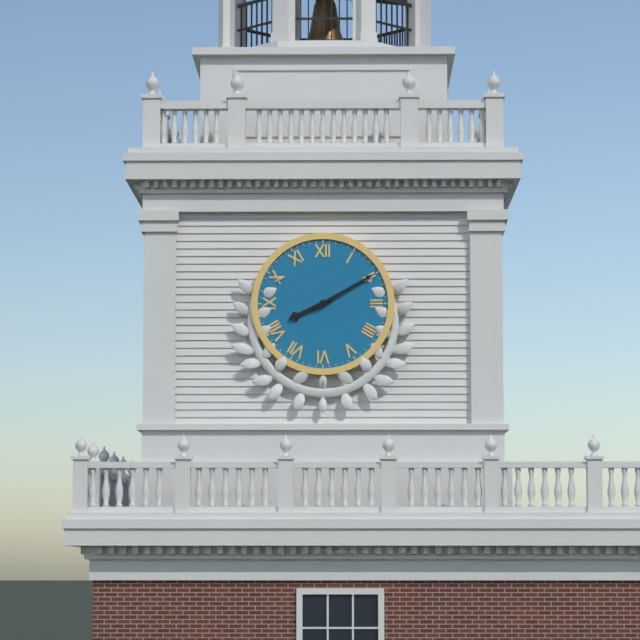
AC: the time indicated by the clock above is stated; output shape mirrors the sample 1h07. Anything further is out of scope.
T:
8h10
